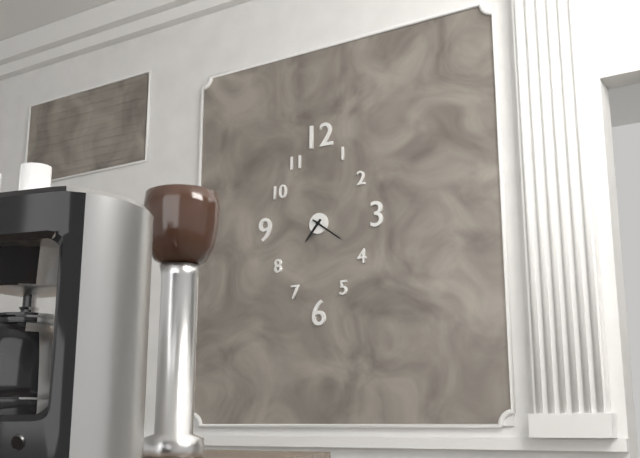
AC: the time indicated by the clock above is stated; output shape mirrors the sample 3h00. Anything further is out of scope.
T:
7h21
